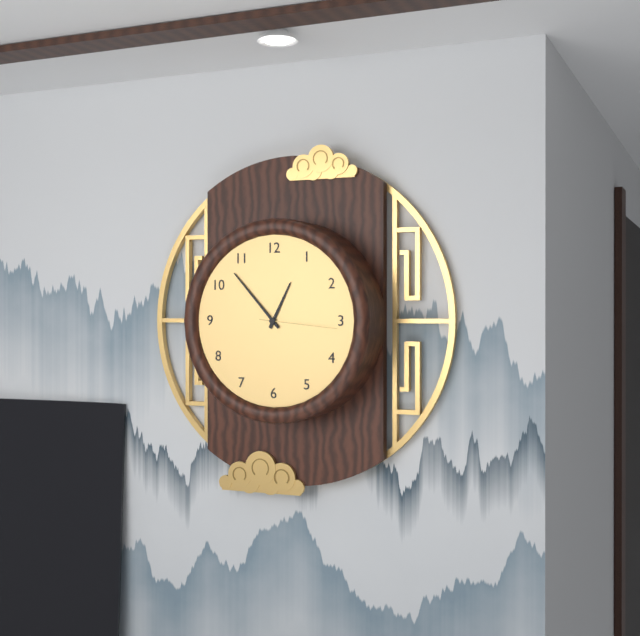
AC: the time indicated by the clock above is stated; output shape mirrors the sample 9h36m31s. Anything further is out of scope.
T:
12h53m16s
